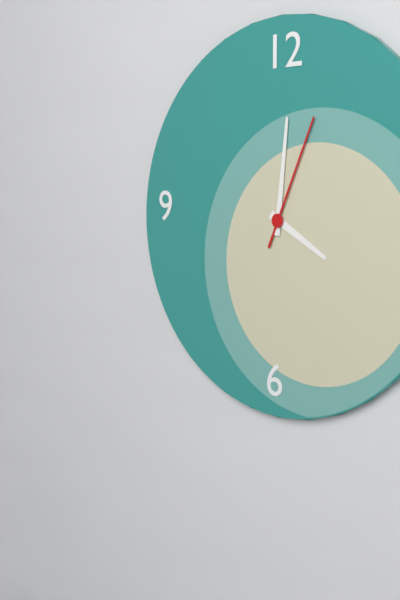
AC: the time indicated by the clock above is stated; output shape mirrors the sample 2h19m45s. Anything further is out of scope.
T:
4h01m04s
